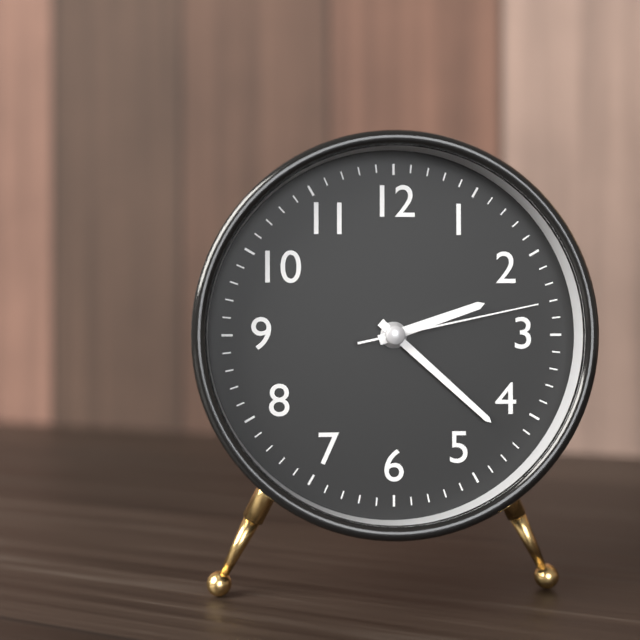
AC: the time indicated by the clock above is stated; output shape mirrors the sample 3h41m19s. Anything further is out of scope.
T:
2h22m13s
